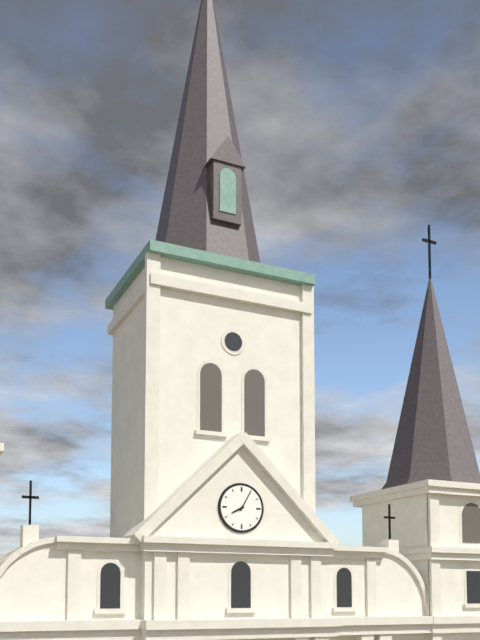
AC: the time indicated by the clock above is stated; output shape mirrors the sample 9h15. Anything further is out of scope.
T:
8h05
